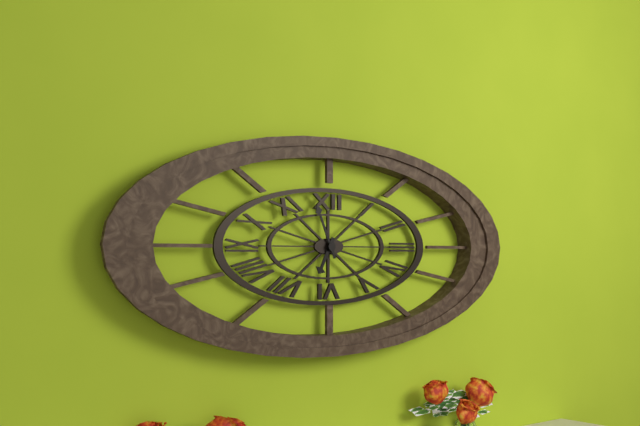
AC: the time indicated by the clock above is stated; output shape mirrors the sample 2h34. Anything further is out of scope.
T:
6h56
